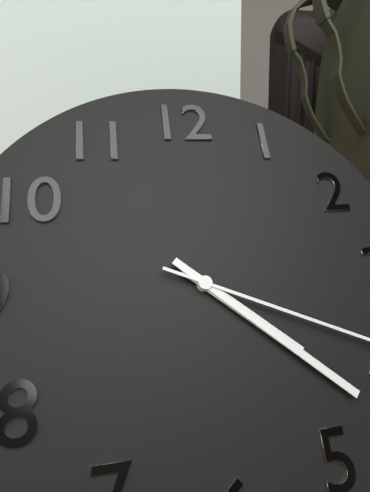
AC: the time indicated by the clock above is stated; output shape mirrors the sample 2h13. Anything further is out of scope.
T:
4h22
